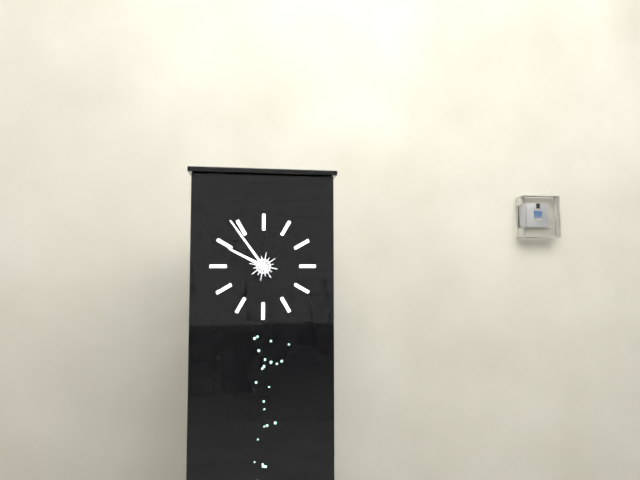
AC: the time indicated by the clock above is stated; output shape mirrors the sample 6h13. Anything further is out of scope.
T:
9h54
